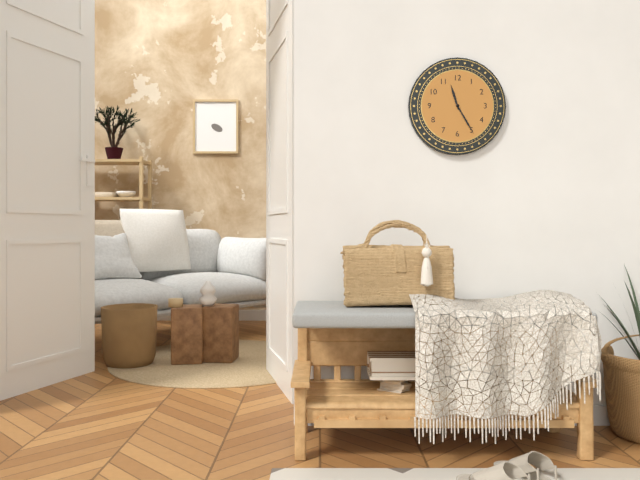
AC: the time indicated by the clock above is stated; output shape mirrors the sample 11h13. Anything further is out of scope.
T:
11h25
